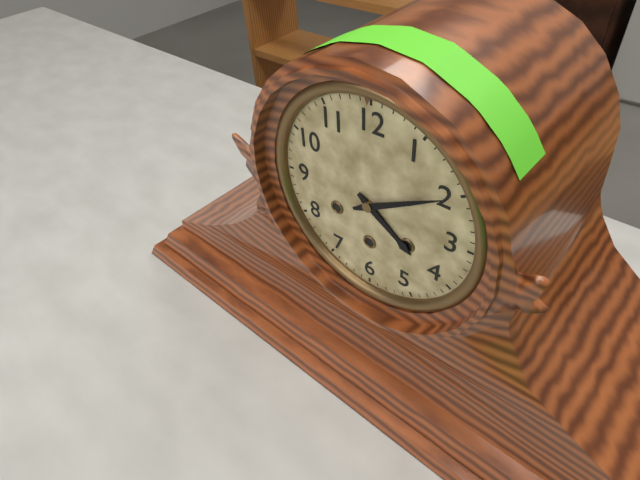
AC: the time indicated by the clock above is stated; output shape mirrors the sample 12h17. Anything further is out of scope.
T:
4h10
